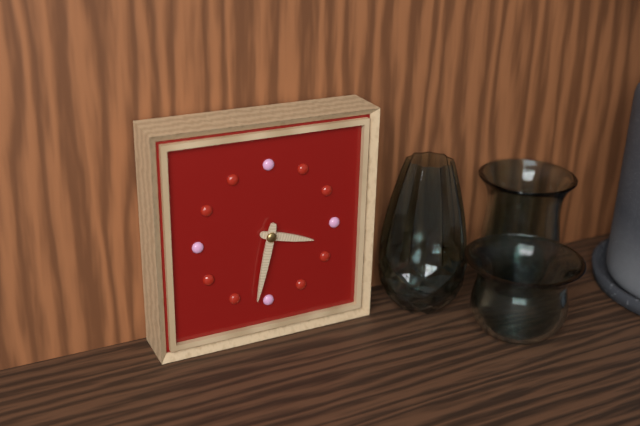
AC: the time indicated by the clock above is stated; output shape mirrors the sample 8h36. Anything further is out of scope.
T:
3h32
